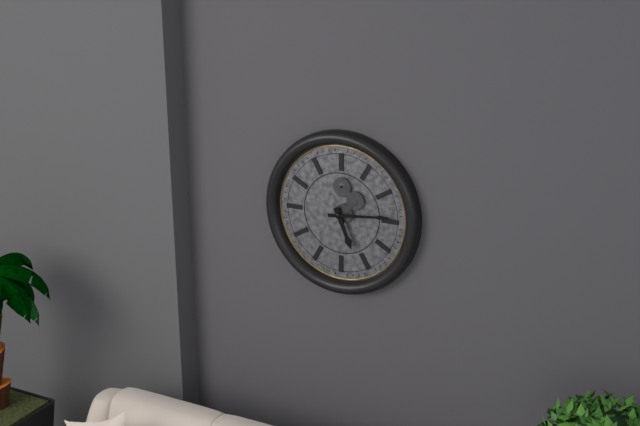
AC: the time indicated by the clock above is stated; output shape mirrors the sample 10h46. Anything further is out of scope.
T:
5h14
